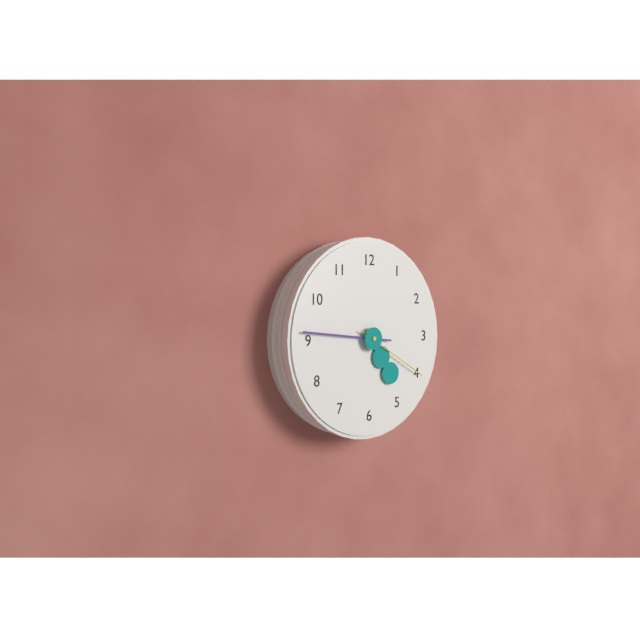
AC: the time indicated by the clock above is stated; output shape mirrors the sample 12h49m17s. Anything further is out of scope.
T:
4h46m20s
